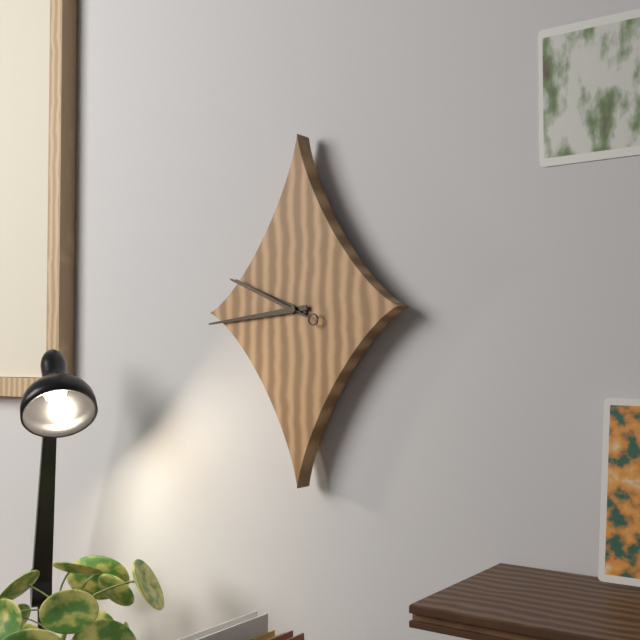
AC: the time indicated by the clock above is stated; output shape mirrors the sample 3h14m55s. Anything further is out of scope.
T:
9h44m49s
